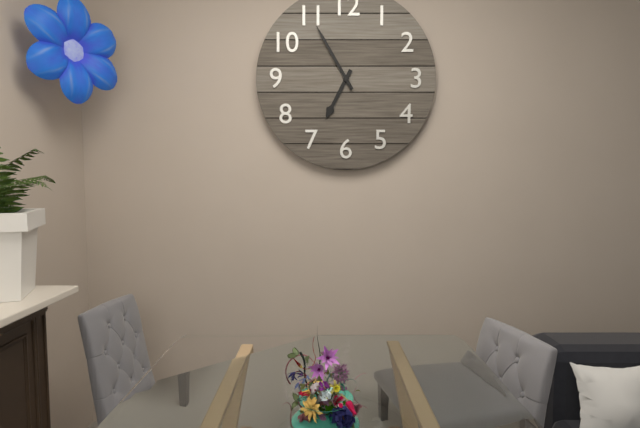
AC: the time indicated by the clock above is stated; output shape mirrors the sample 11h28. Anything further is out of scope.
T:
6h55
